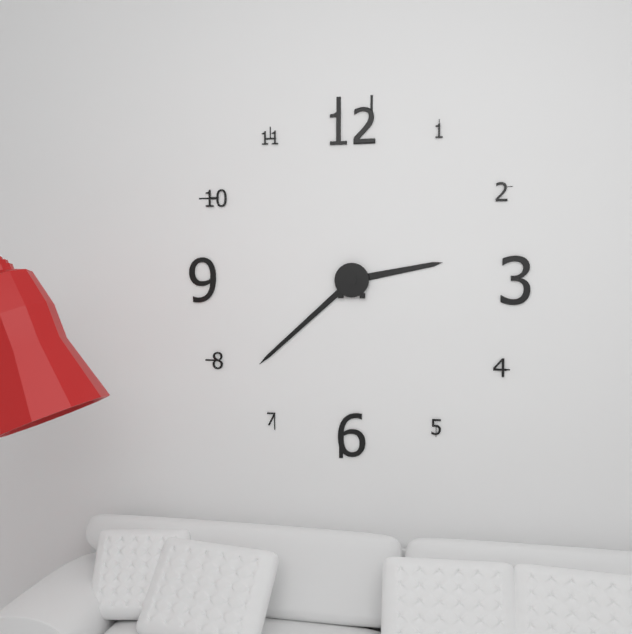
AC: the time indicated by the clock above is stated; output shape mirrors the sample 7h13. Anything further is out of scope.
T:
2h38
